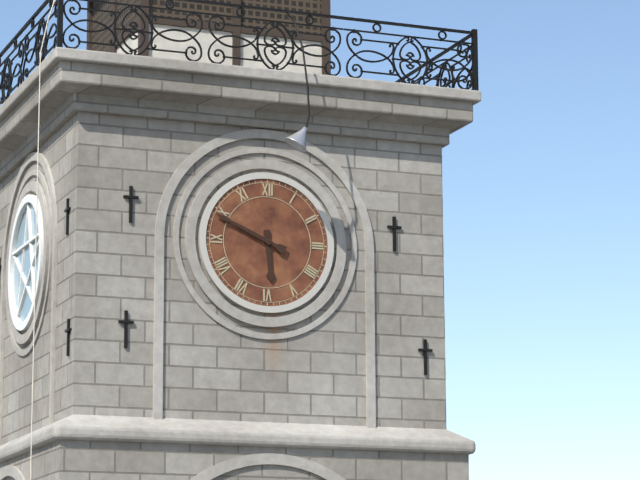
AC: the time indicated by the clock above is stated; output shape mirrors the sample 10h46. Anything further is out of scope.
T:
5h49
